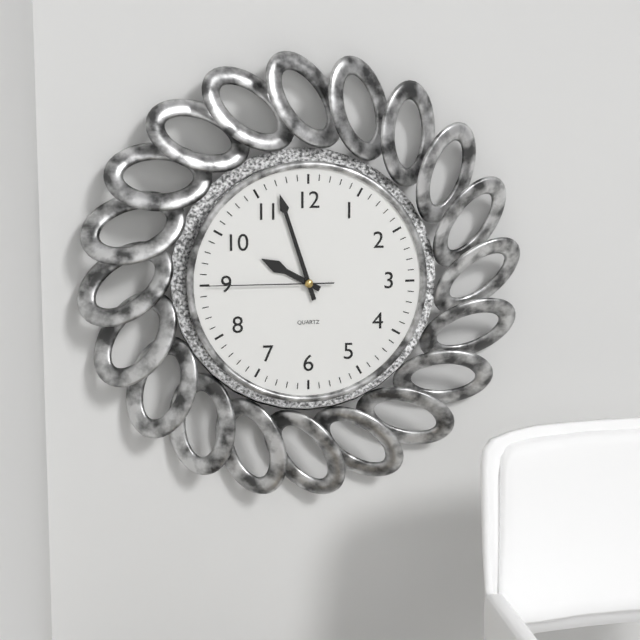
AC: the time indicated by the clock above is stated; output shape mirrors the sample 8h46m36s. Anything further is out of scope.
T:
9h57m45s
